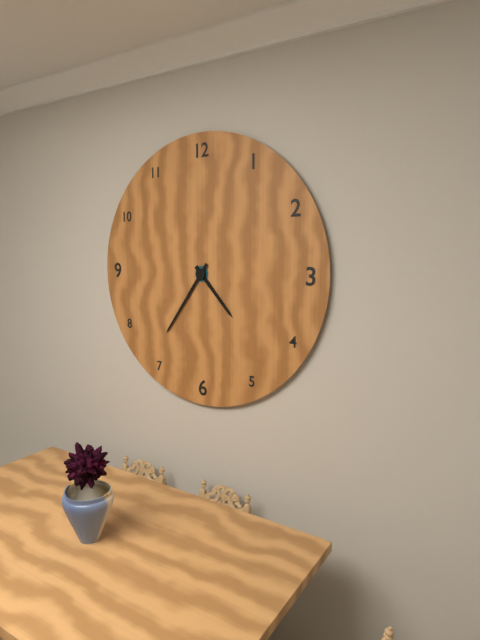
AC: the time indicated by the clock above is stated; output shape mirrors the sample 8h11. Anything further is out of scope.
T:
4h36
